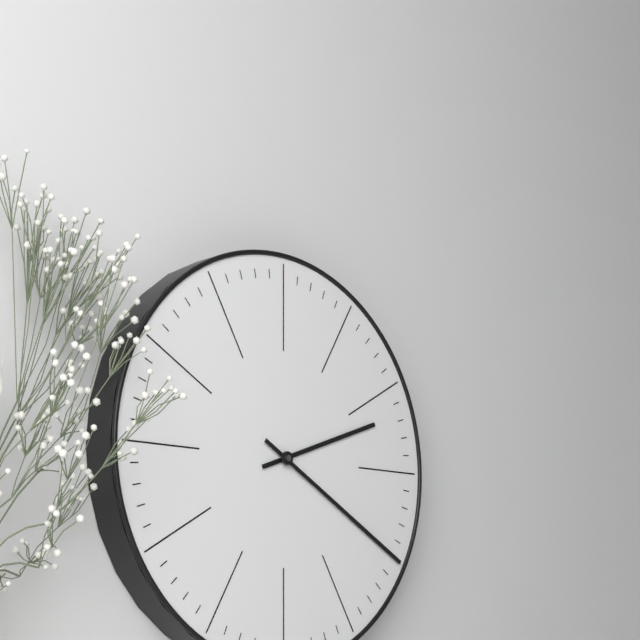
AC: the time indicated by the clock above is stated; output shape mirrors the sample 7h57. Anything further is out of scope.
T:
2h20
